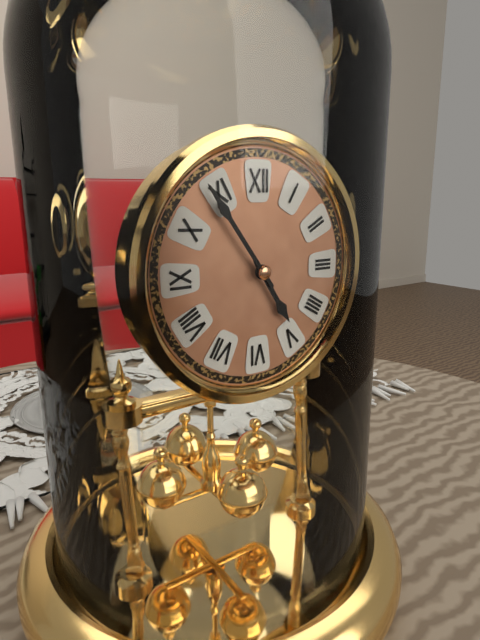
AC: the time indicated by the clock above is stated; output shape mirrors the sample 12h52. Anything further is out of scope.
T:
4h54
